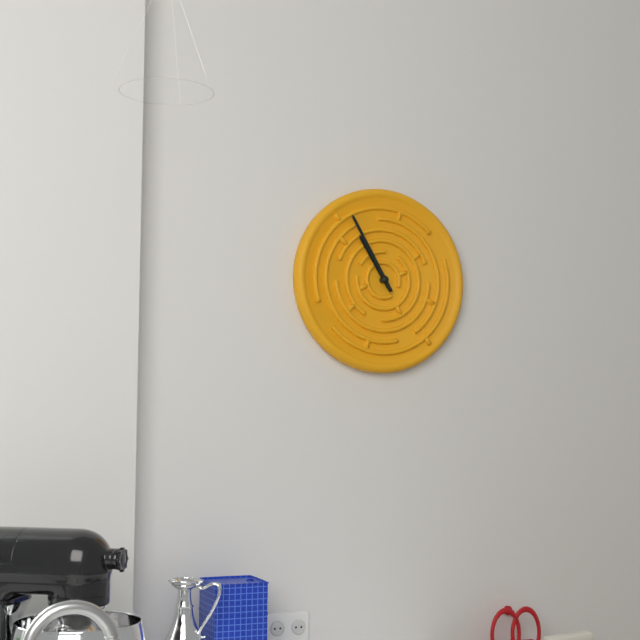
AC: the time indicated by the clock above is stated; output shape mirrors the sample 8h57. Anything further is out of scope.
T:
10h55
